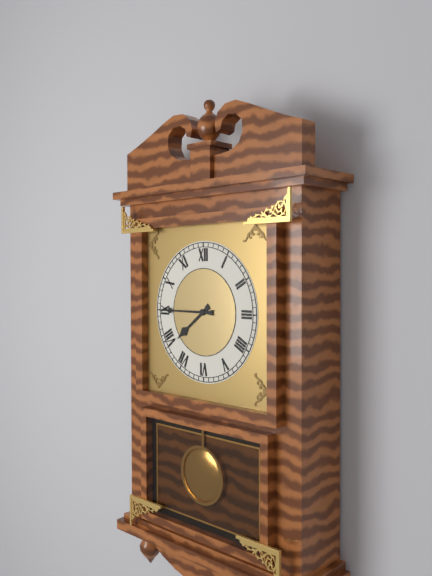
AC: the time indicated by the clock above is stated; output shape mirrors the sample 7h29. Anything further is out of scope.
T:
7h45
